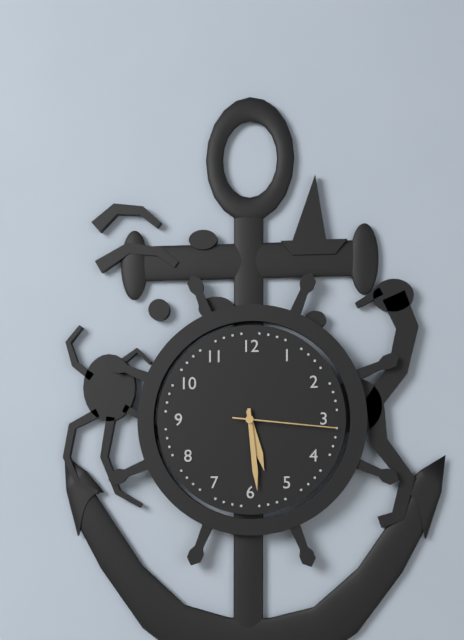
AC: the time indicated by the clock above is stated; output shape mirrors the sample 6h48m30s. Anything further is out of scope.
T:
5h29m16s
